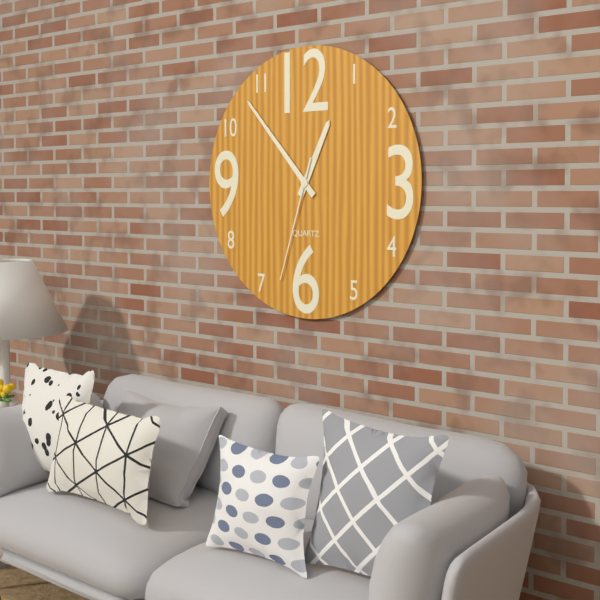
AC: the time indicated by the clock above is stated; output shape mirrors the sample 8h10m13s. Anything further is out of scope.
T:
12h53m33s
